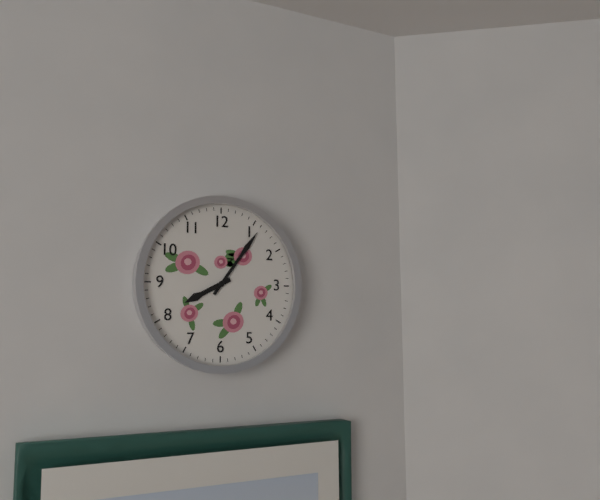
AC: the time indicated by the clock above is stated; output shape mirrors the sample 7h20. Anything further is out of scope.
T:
8h06
